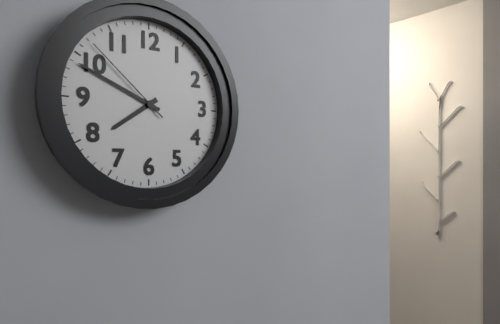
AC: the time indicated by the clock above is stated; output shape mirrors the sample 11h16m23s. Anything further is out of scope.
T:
7h49m52s
